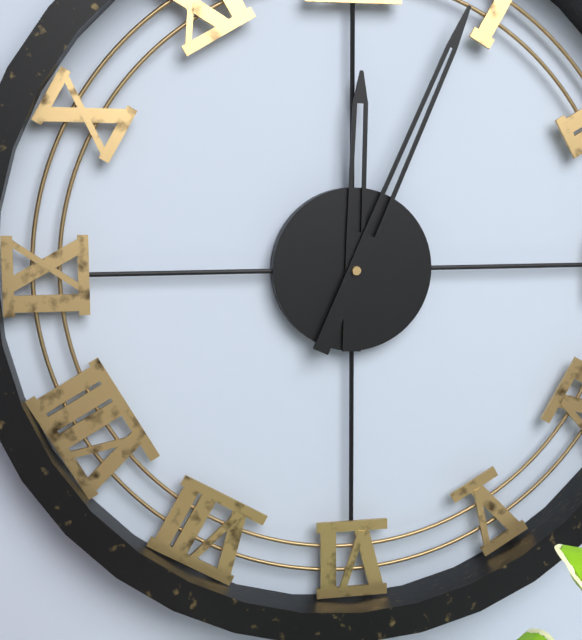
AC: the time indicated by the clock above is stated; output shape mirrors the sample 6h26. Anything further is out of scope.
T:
12h04
